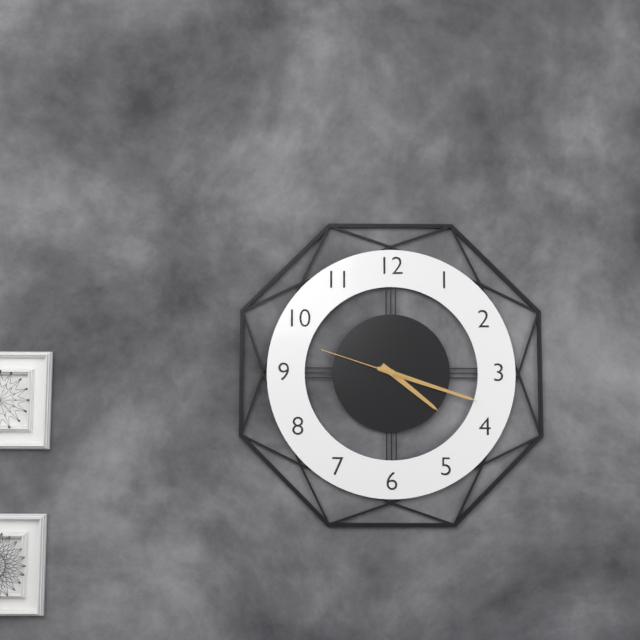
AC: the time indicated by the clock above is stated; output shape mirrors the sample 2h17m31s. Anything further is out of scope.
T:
4h18m48s
